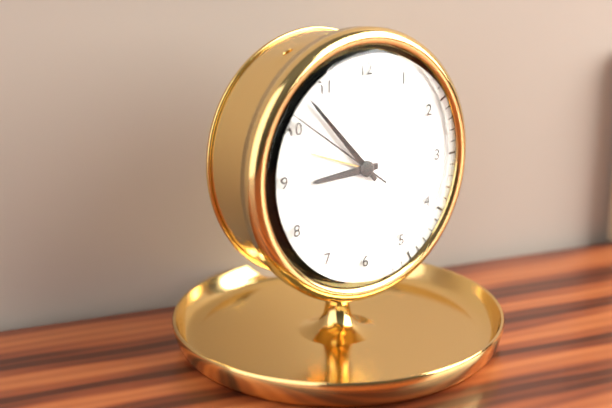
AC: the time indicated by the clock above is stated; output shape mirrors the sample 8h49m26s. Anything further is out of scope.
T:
8h53m51s
